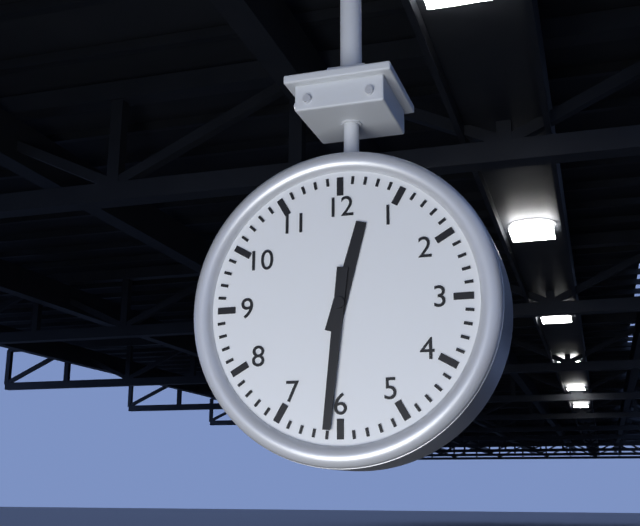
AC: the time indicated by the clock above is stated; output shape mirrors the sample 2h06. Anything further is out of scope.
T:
12h31
